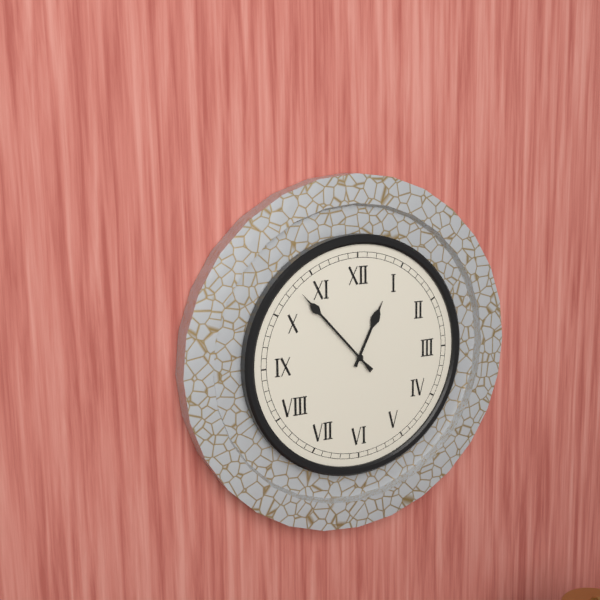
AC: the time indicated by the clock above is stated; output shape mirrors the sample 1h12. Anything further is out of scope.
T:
12h53
